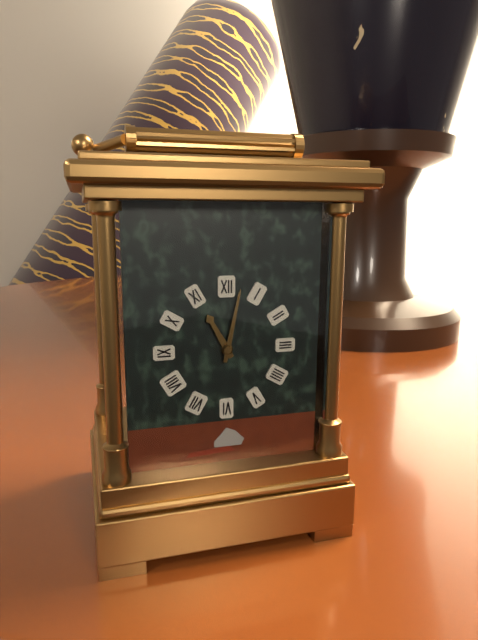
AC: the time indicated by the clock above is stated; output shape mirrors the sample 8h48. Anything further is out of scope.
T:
11h02
